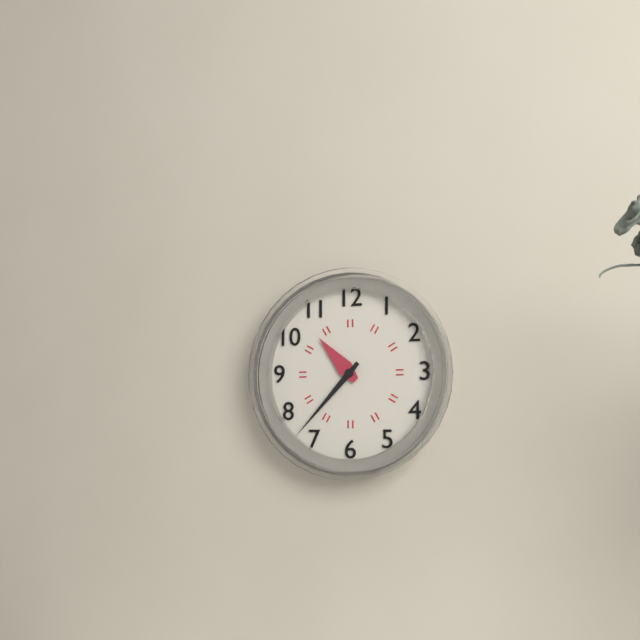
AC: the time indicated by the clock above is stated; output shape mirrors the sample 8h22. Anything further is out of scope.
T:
10h37
